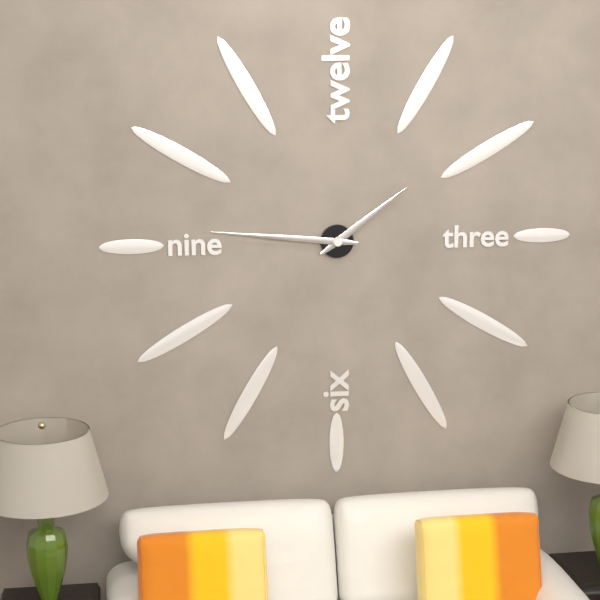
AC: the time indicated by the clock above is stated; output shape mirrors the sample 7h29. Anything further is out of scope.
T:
1h46
